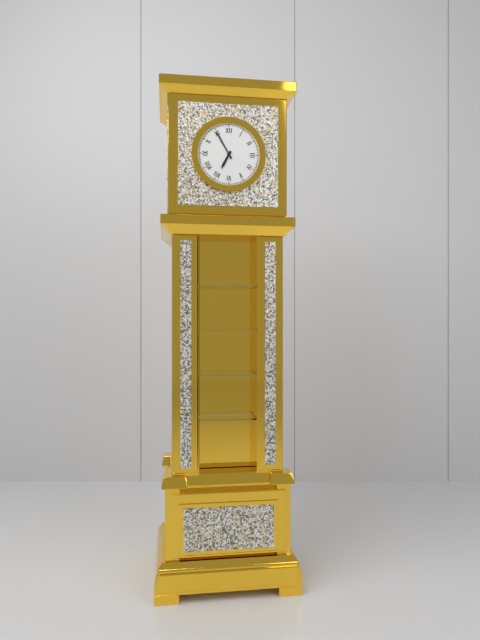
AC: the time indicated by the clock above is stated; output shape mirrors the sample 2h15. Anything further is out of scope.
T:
6h55
